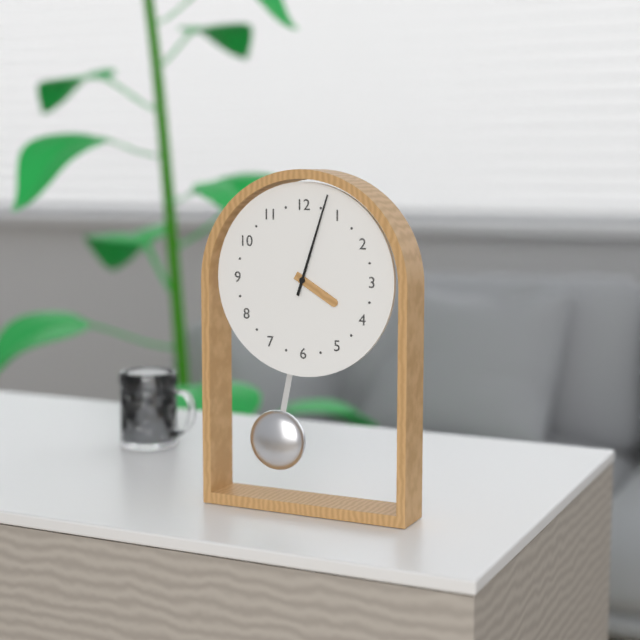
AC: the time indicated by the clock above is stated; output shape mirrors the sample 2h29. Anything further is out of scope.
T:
4h03
